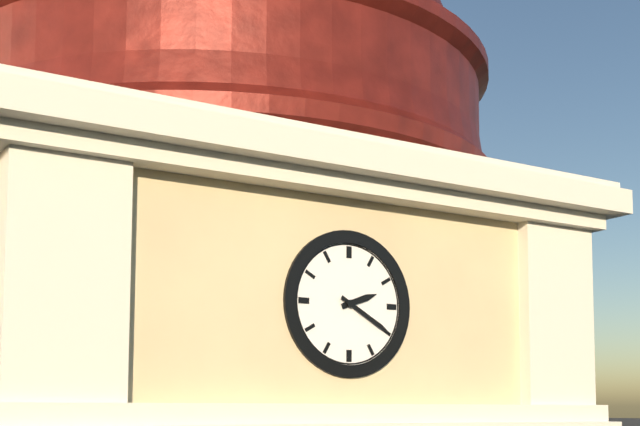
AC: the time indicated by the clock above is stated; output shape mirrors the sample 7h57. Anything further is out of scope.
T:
2h20
